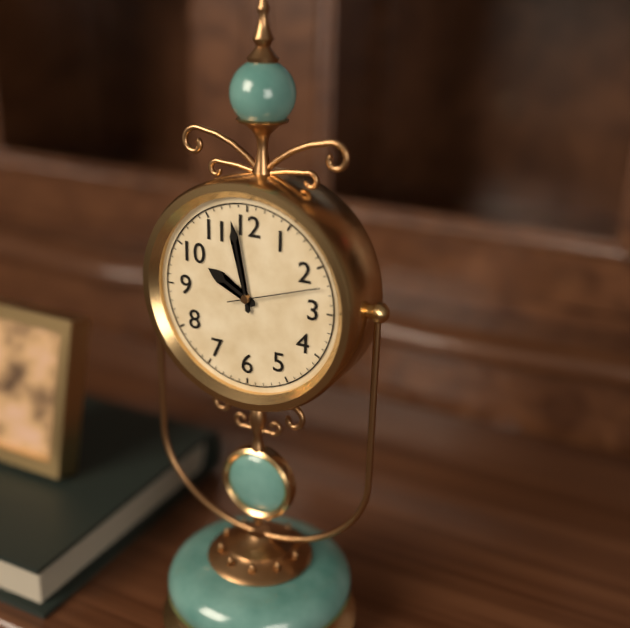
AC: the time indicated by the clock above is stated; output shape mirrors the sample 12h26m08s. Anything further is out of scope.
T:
9h58m12s
